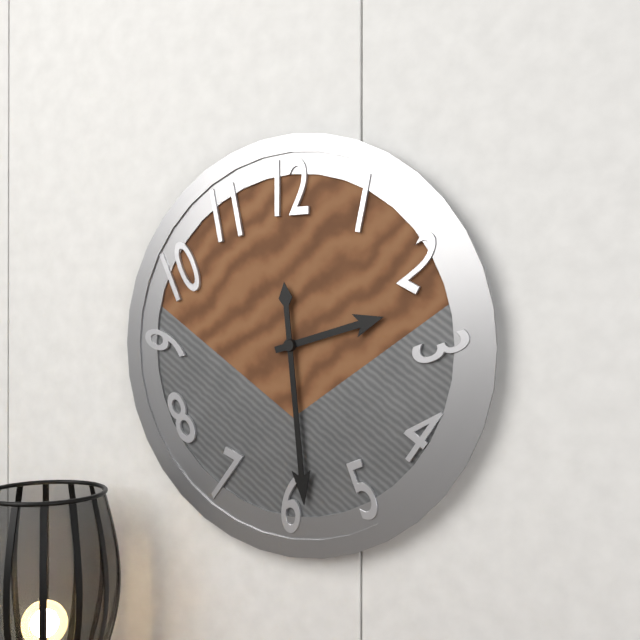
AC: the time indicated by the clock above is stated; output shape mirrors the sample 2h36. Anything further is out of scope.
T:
2h29
